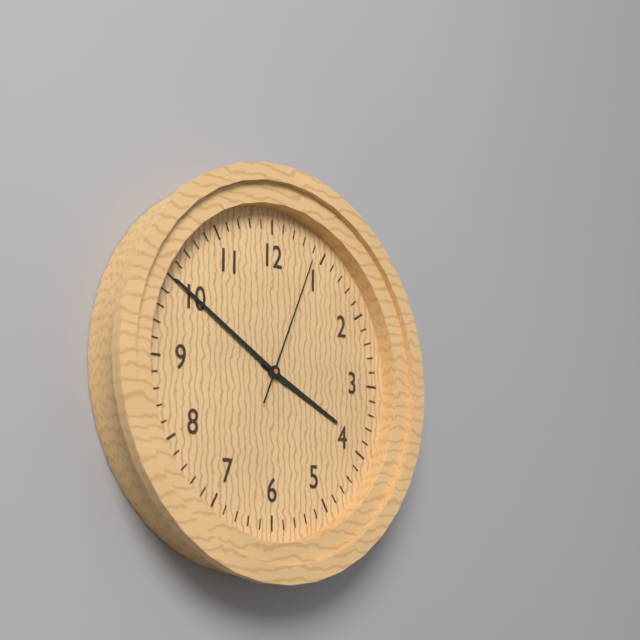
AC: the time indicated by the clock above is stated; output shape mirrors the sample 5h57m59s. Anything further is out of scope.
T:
3h50m04s
